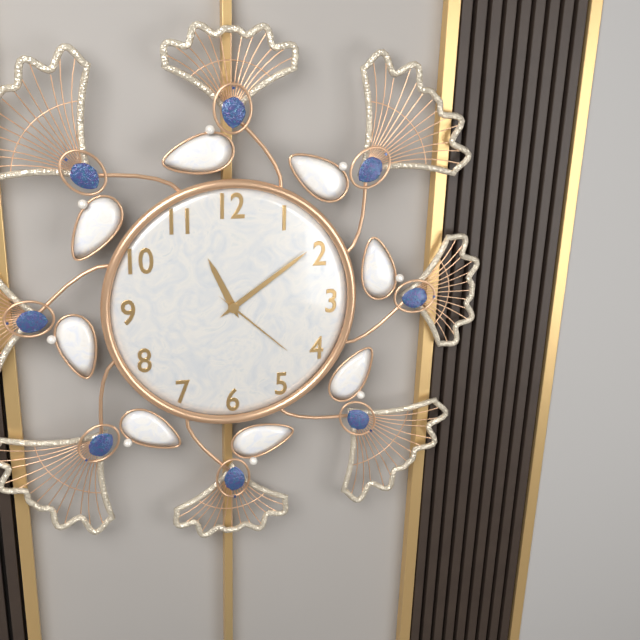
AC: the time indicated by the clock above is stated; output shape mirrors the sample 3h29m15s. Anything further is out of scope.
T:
11h09m22s
